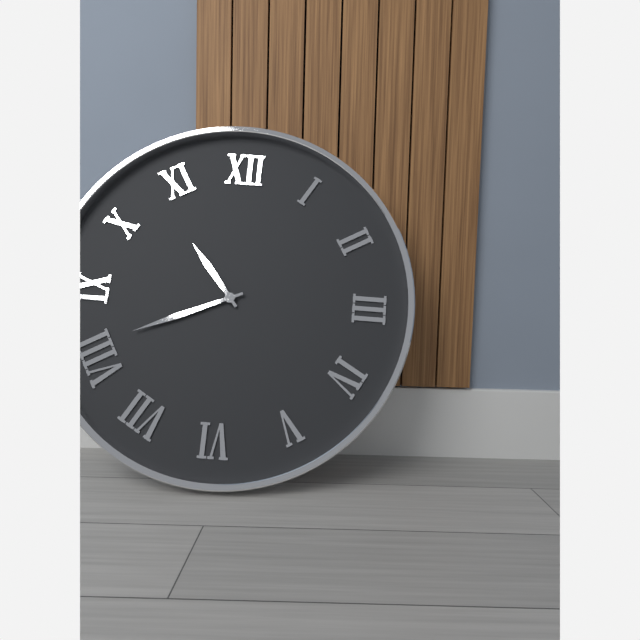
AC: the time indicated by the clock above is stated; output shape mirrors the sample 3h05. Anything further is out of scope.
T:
10h41
